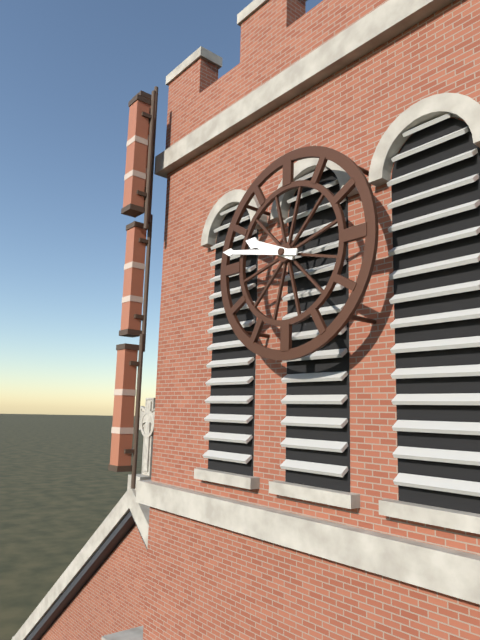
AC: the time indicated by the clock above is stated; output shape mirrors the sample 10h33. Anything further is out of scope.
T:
9h47
